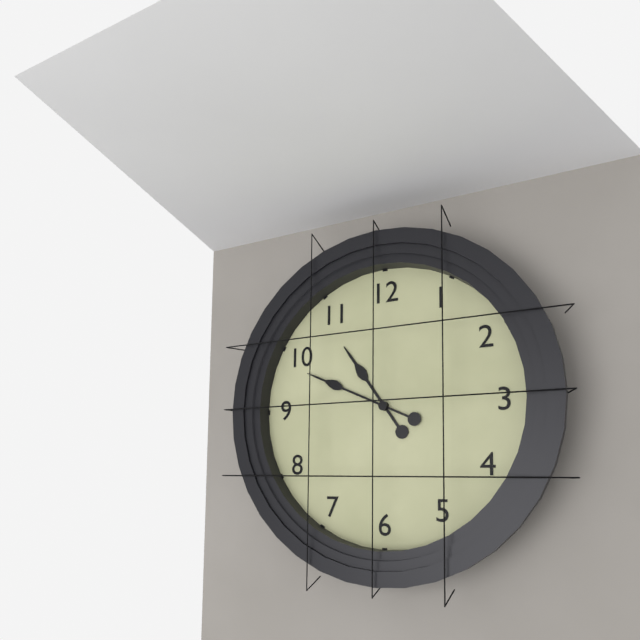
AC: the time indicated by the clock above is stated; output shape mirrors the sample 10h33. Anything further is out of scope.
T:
10h49
